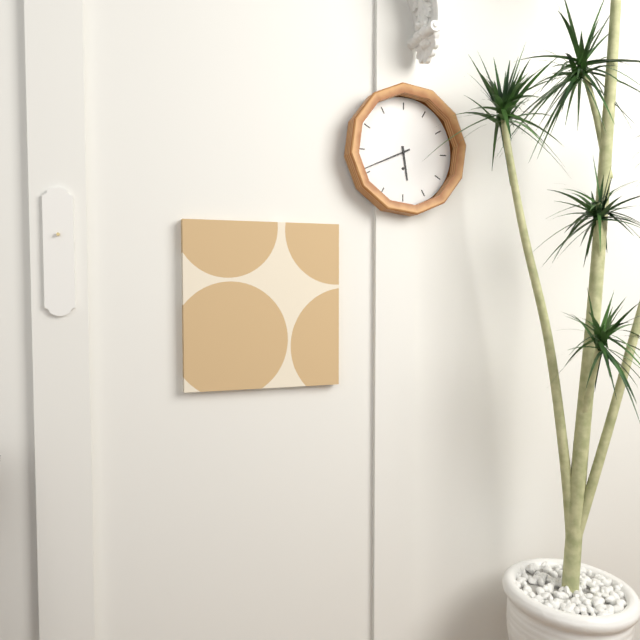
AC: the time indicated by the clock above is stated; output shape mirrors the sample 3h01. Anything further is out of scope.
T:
5h41
